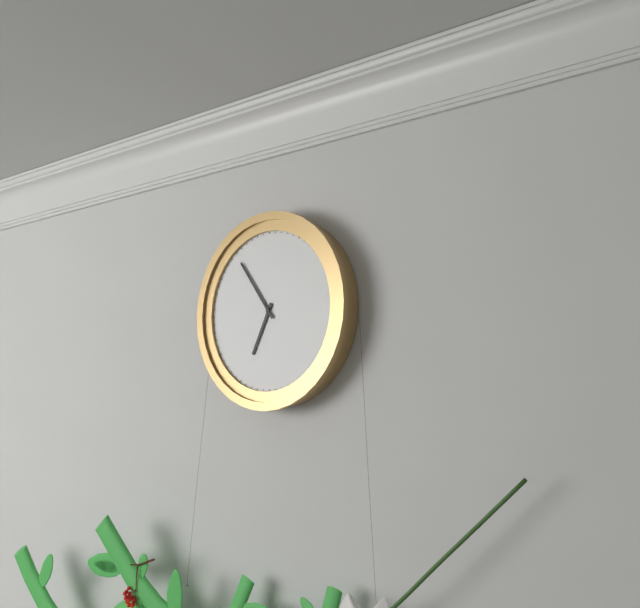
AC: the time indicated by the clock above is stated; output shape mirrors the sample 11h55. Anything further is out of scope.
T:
6h54
